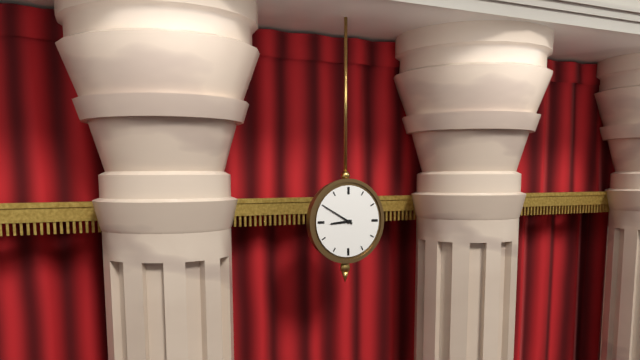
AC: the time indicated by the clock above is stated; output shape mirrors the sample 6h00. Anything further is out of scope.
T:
8h50
